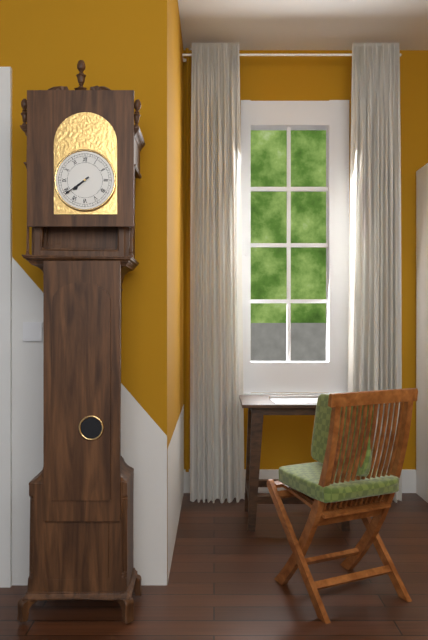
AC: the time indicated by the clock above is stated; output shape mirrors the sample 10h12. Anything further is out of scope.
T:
7h39
